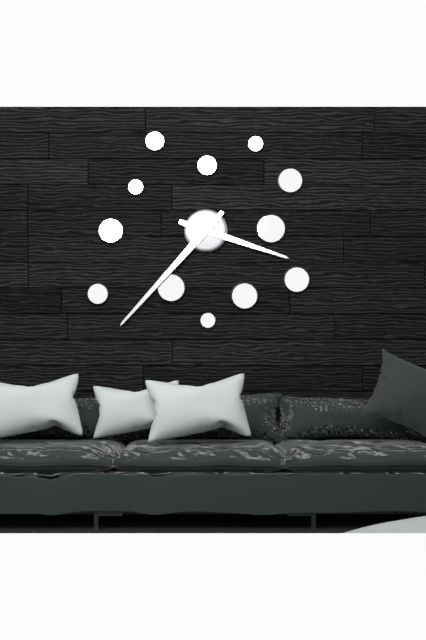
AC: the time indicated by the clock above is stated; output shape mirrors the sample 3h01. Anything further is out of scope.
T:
3h37
